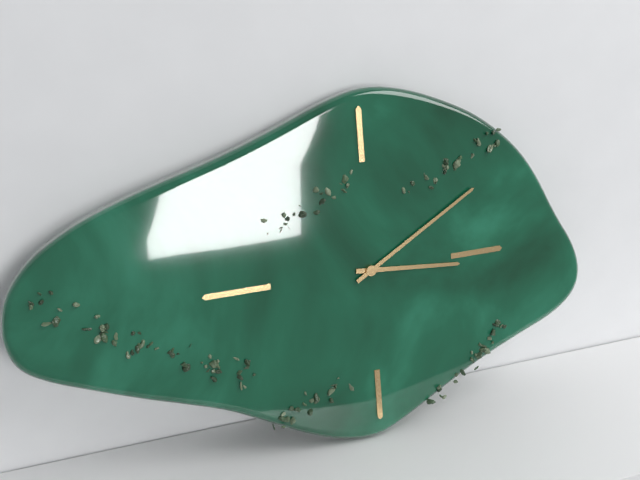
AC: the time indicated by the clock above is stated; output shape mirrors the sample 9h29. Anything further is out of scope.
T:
3h10
